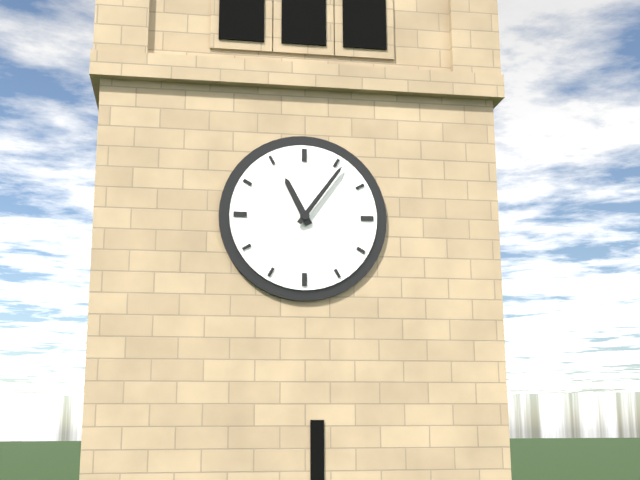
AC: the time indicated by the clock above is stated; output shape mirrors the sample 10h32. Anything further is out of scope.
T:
11h06
